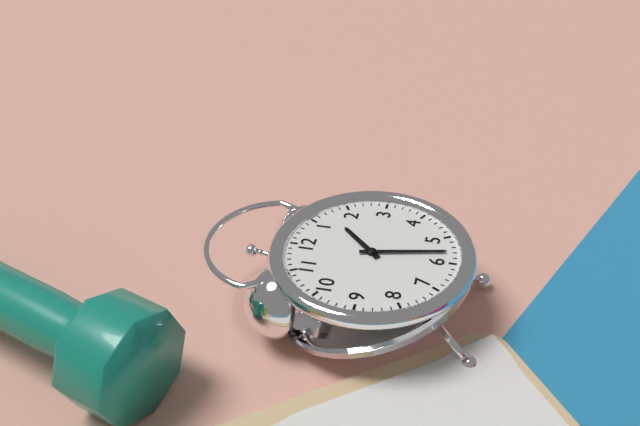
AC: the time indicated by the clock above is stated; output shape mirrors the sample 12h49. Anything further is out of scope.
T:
1h28
